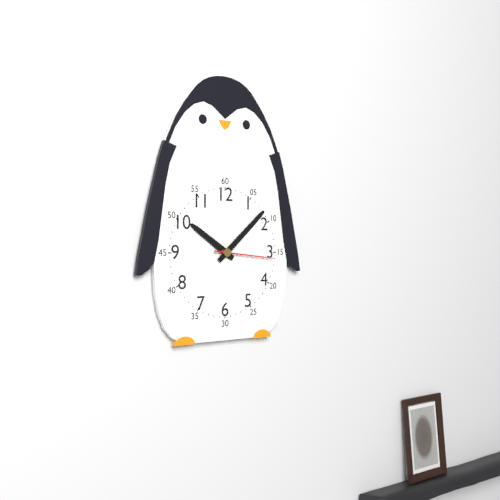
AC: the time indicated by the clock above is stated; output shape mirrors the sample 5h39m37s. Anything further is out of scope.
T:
10h08m16s
